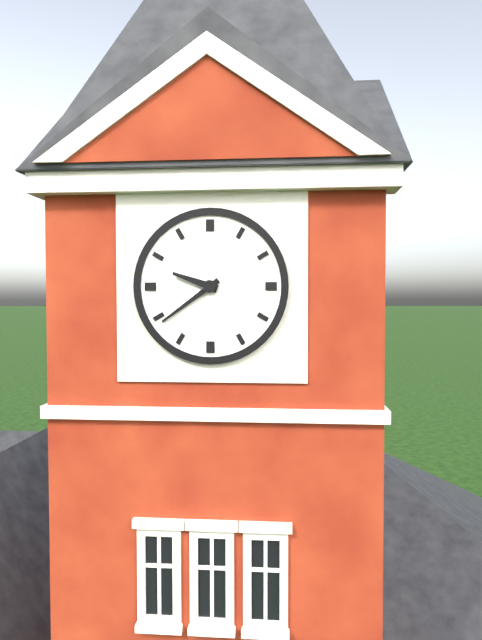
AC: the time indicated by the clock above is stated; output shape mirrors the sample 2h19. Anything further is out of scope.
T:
9h39
